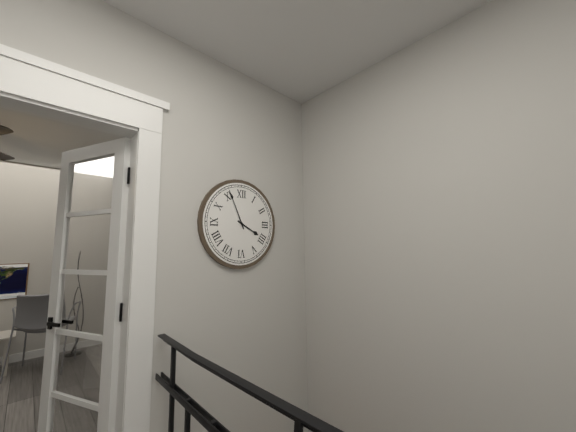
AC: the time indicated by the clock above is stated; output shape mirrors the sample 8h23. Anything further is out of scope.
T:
3h56
